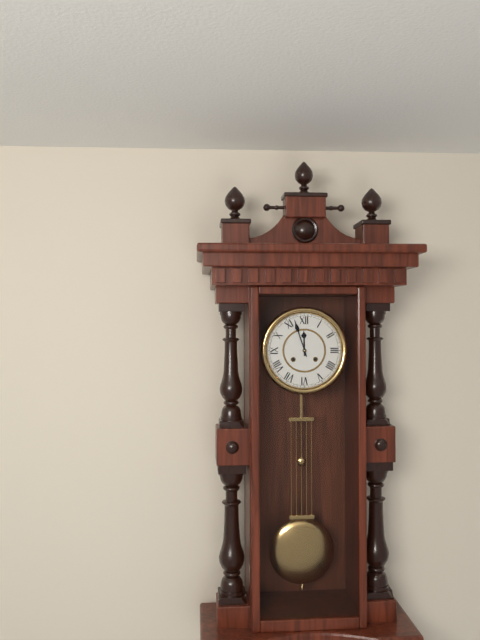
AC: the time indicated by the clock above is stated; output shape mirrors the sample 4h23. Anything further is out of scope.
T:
11h57
